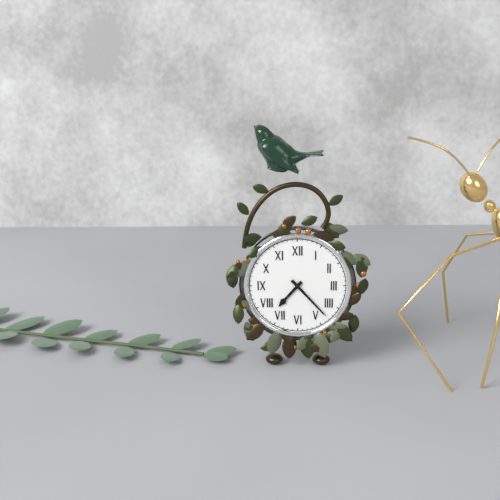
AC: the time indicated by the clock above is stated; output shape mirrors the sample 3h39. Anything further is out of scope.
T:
7h23
